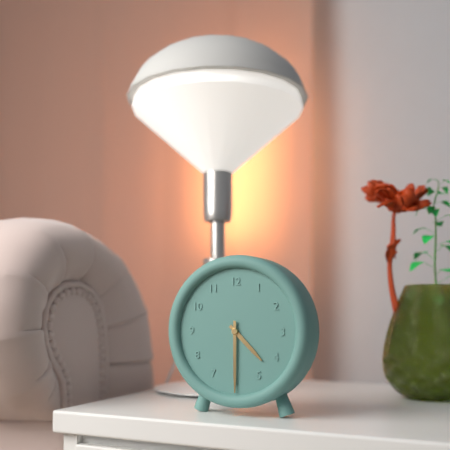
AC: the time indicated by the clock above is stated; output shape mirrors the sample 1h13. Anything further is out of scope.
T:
4h30
